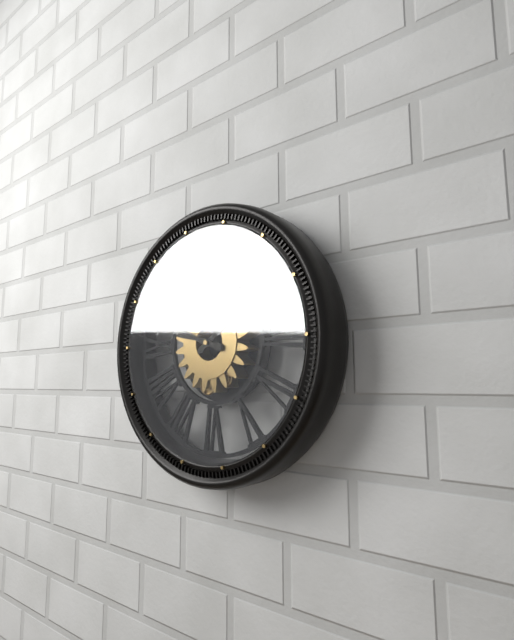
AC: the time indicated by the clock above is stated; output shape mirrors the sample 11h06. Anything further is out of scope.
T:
1h48
